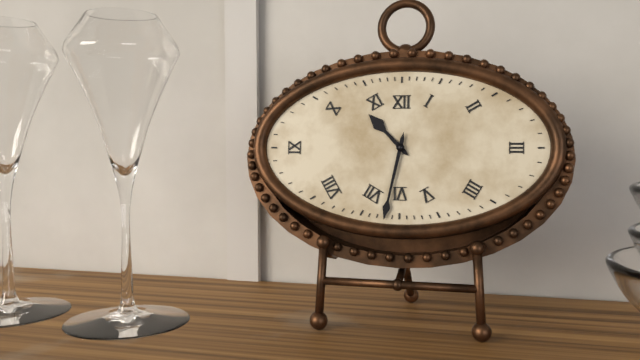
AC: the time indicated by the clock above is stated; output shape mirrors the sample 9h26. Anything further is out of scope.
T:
10h32
